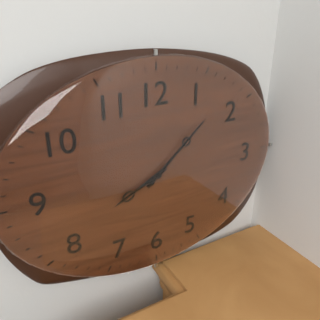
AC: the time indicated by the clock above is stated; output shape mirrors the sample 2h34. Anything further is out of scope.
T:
8h08
